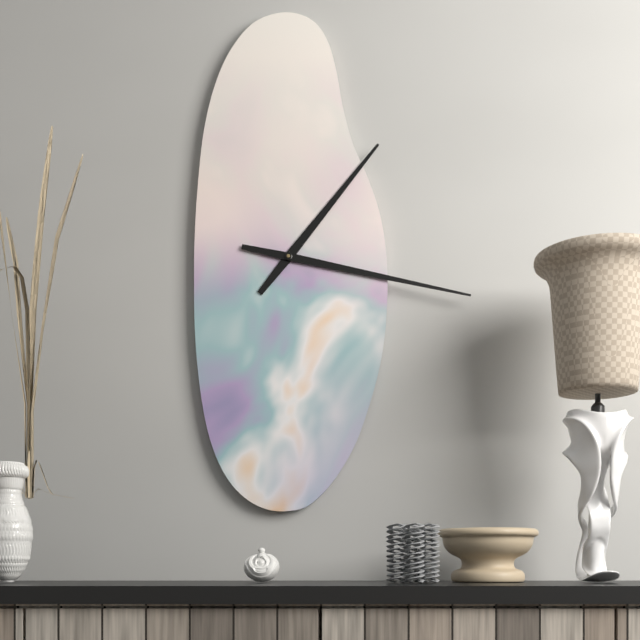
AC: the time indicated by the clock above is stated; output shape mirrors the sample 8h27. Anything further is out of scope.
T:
1h17
